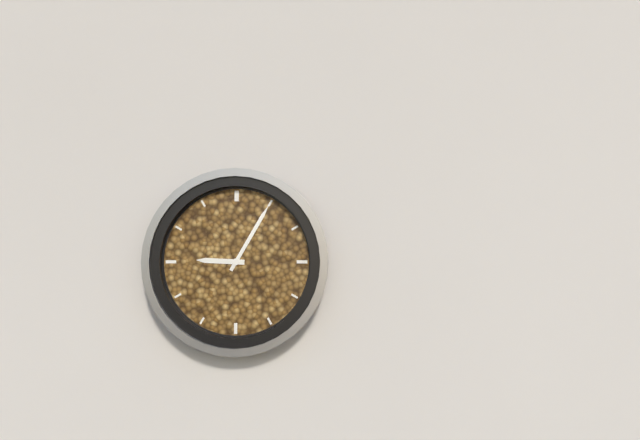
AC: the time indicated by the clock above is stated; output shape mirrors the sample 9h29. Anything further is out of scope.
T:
9h05
